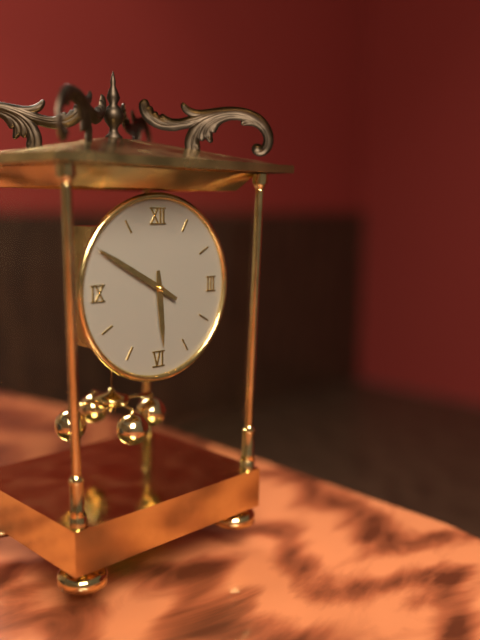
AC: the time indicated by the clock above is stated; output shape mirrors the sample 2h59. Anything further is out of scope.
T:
5h50
